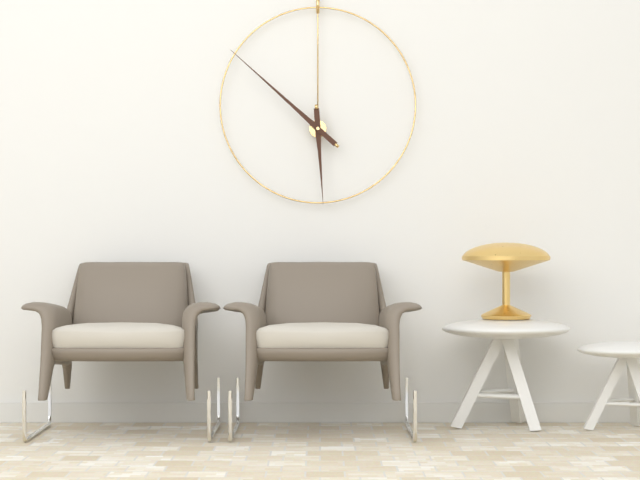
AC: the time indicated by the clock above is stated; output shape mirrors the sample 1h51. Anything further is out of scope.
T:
5h52
